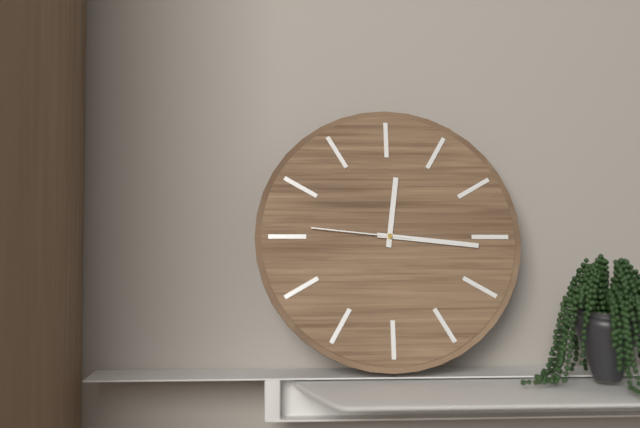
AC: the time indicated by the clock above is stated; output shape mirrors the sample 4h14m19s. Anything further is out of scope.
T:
12h16m46s
